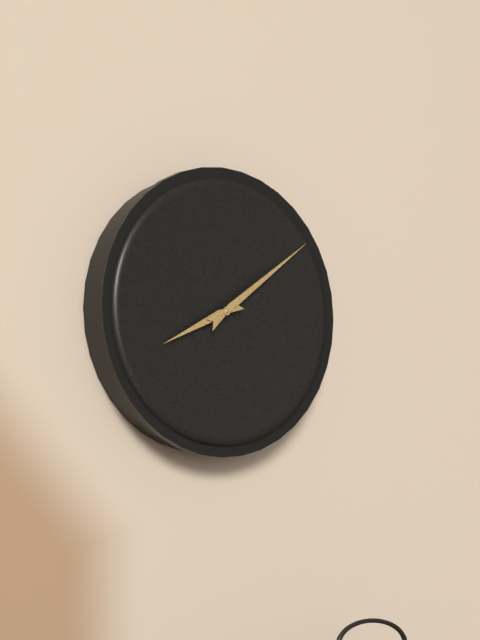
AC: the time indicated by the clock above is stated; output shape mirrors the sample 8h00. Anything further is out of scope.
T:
8h09
